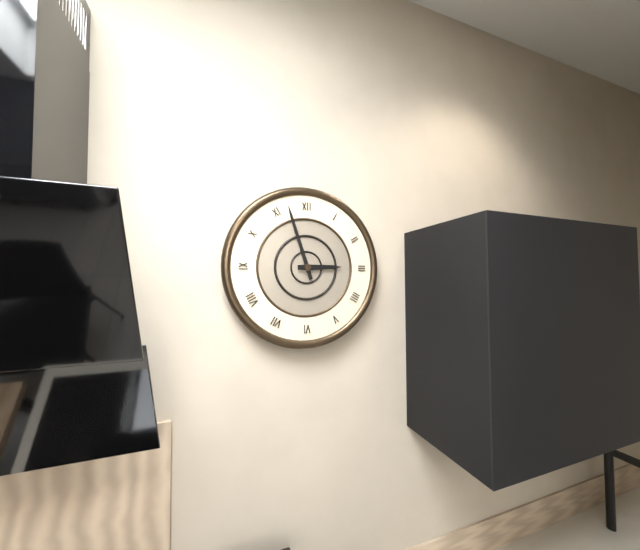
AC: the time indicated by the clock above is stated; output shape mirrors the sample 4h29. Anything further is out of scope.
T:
2h57
